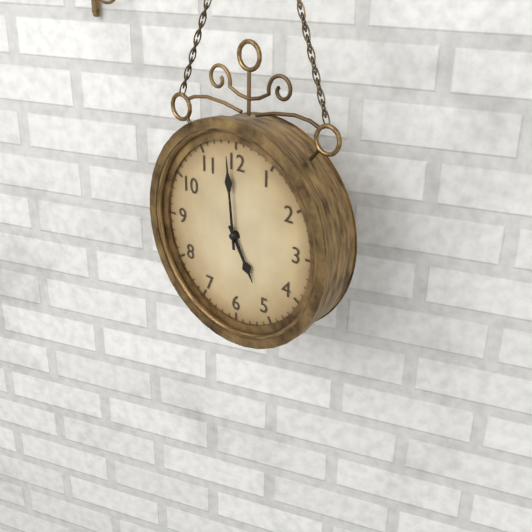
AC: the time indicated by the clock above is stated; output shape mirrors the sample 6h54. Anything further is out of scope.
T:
4h59
